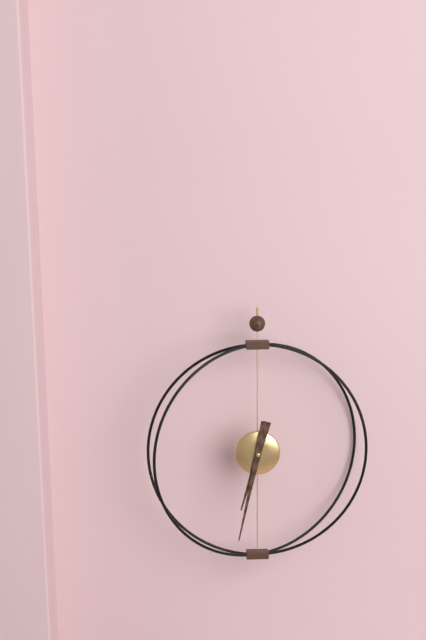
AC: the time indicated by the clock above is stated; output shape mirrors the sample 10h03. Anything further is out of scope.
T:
6h32
